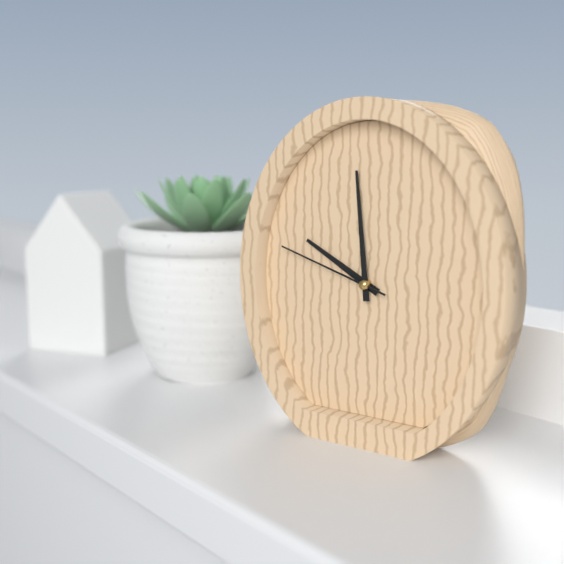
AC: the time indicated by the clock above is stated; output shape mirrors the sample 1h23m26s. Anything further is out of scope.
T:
9h59m48s
